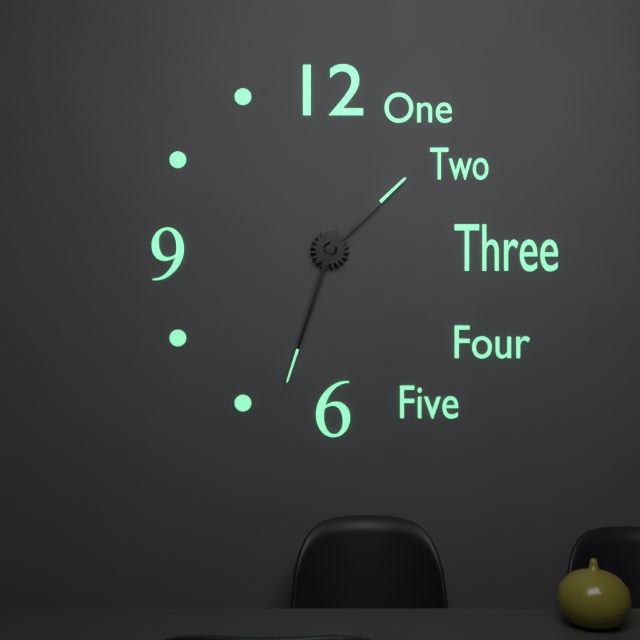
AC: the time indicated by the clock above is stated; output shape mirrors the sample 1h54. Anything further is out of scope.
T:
1h33
